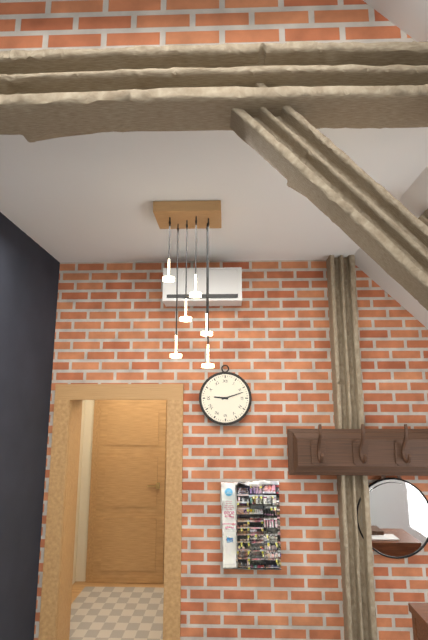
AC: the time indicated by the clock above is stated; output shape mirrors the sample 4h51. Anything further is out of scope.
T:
9h12
